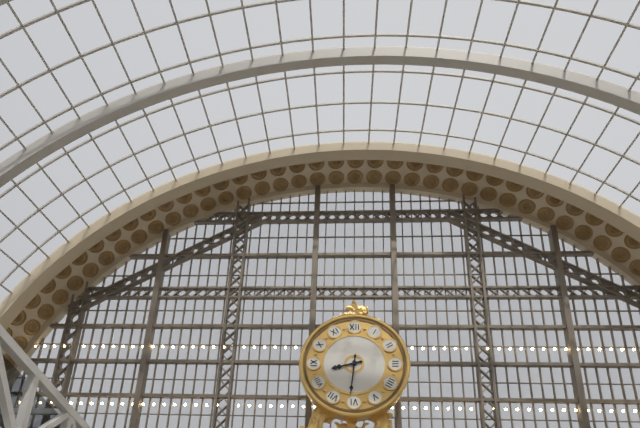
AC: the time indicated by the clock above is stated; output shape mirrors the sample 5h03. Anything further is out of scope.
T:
8h31
